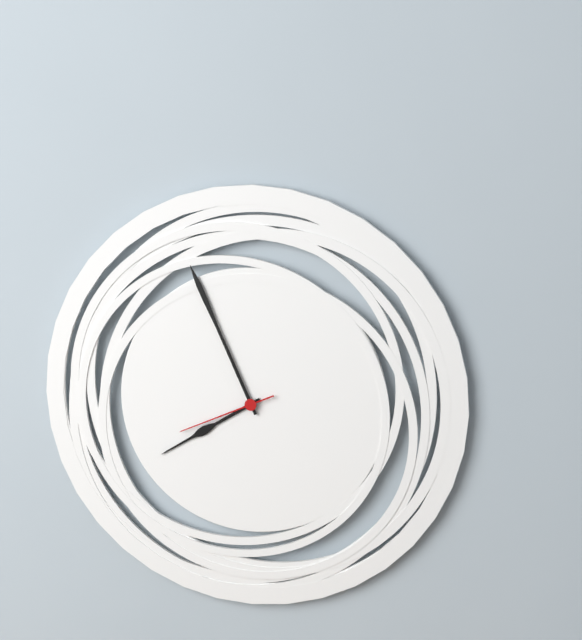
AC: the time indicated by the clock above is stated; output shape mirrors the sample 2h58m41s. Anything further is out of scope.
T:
7h56m41s
